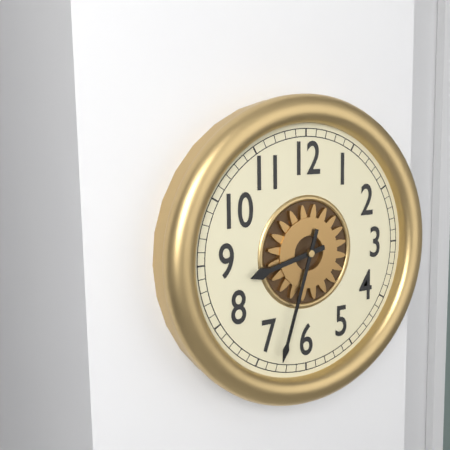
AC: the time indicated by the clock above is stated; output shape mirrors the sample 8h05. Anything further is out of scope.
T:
8h33
